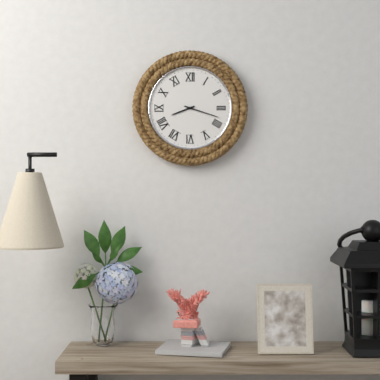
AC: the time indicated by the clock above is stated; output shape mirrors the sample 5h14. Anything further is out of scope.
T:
8h18
